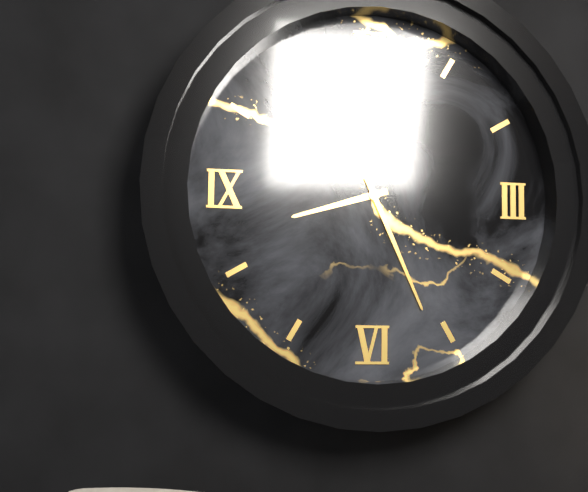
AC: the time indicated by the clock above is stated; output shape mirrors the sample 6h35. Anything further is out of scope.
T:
8h26
